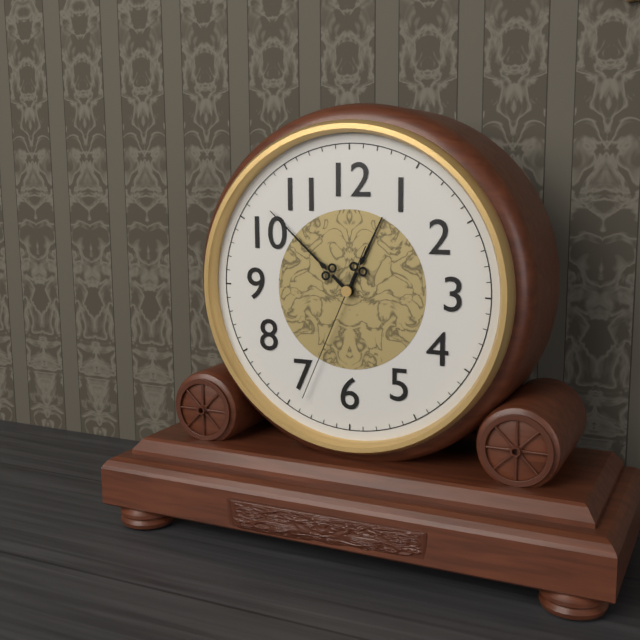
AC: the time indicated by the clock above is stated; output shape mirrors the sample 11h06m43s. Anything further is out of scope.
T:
12h52m34s
